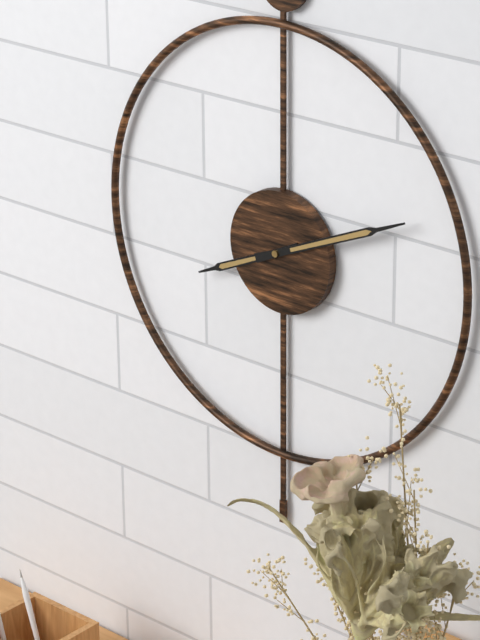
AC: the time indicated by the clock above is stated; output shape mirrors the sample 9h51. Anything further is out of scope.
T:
8h11
